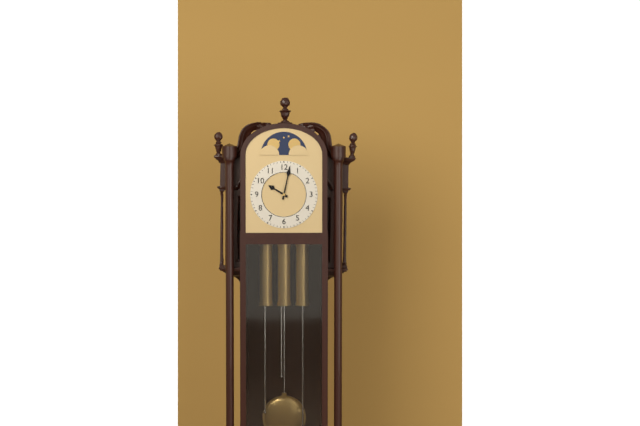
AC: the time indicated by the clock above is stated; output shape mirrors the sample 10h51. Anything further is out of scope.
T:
10h02
